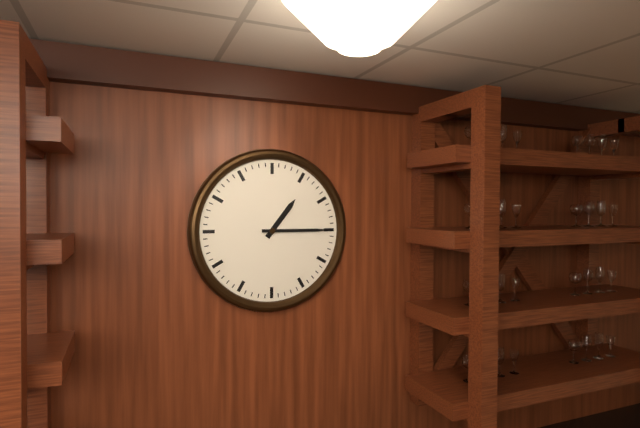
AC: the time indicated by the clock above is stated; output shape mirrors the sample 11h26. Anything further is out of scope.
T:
1h15
